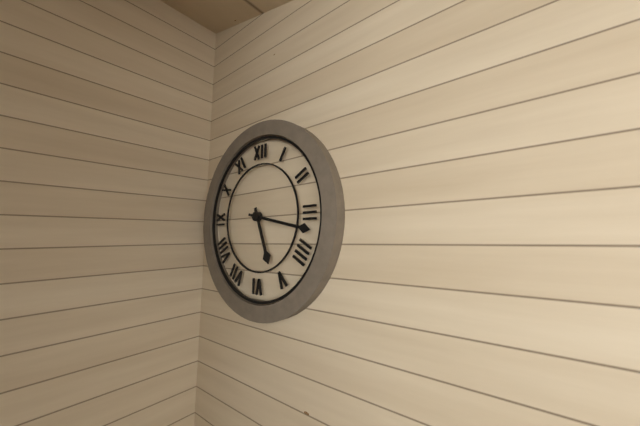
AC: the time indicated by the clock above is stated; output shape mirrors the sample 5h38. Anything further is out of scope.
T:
5h17
